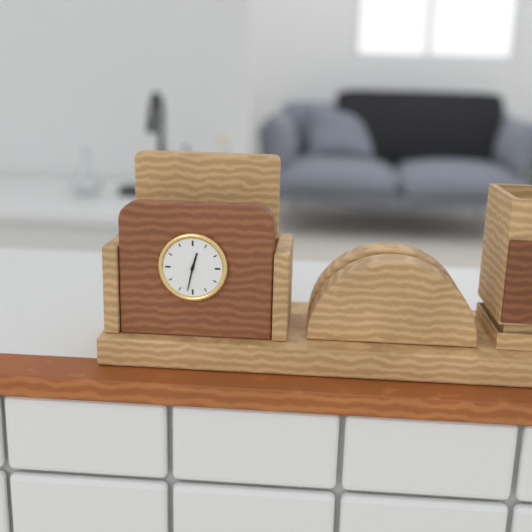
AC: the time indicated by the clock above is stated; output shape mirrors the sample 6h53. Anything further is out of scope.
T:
12h32
